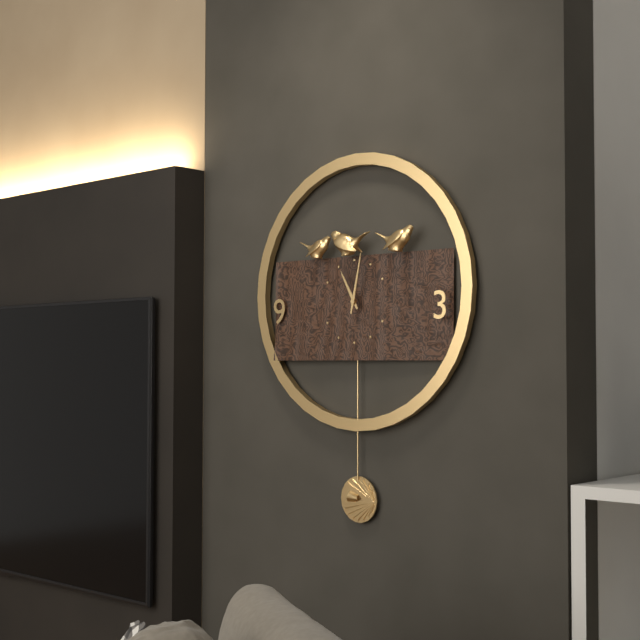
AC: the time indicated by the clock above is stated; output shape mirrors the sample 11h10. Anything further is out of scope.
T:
11h02
